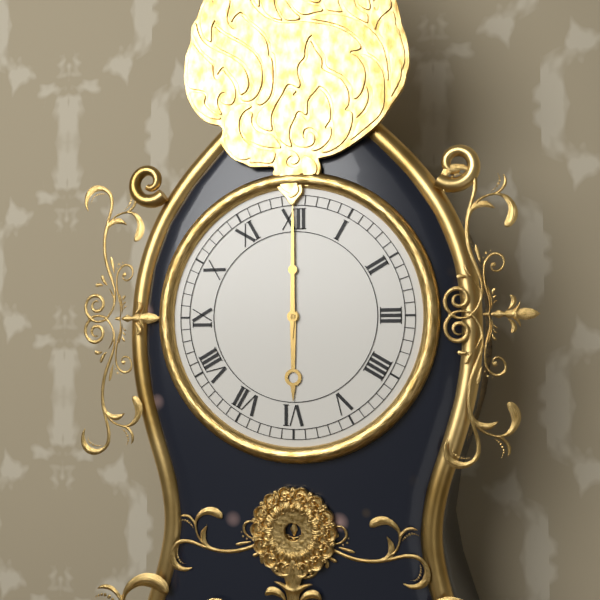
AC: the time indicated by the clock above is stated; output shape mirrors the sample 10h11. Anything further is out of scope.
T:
6h00
